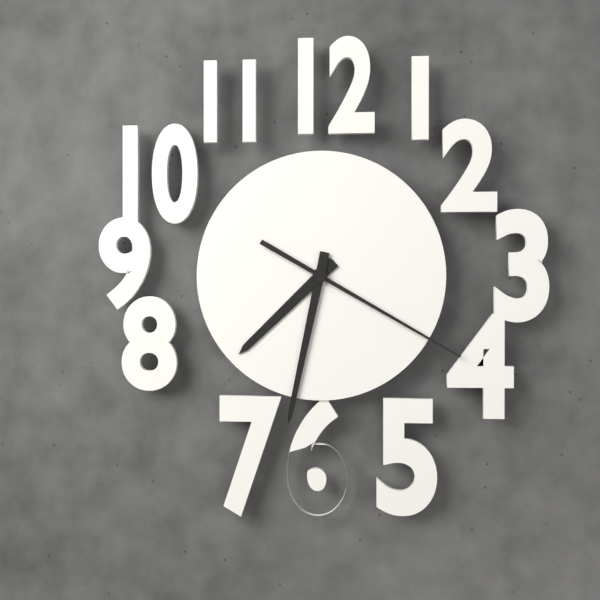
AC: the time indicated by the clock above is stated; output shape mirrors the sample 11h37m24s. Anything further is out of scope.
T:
7h32m20s
